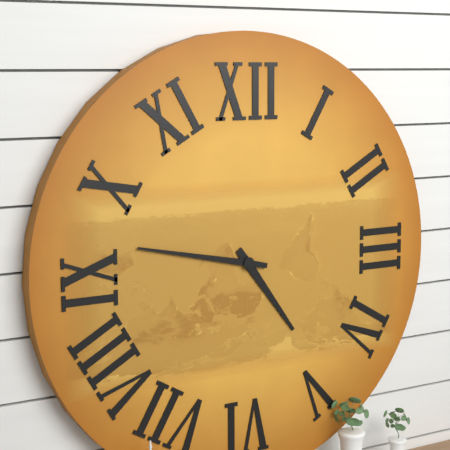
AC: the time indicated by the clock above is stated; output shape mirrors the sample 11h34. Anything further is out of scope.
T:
4h47
